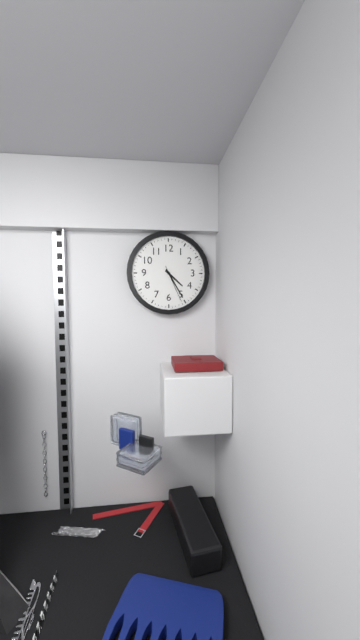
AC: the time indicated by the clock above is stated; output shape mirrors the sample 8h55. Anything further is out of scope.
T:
4h25
